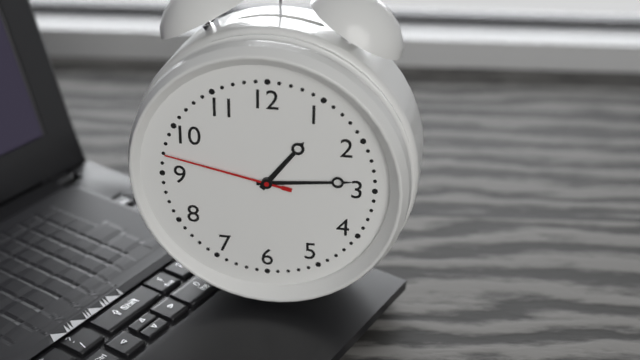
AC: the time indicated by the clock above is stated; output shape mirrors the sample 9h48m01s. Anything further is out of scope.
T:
1h14m47s
